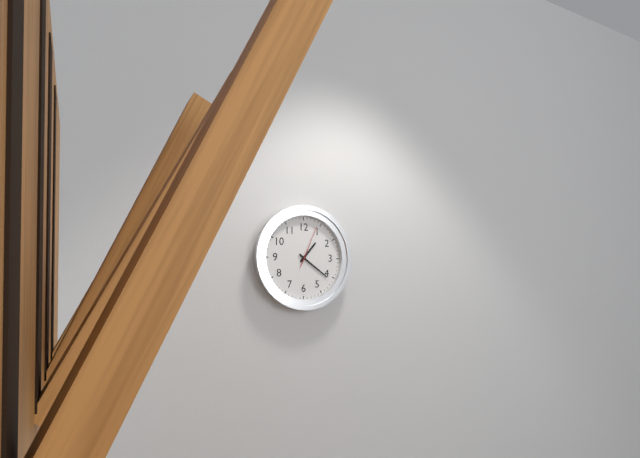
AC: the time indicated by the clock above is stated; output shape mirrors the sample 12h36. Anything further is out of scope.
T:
1h21
